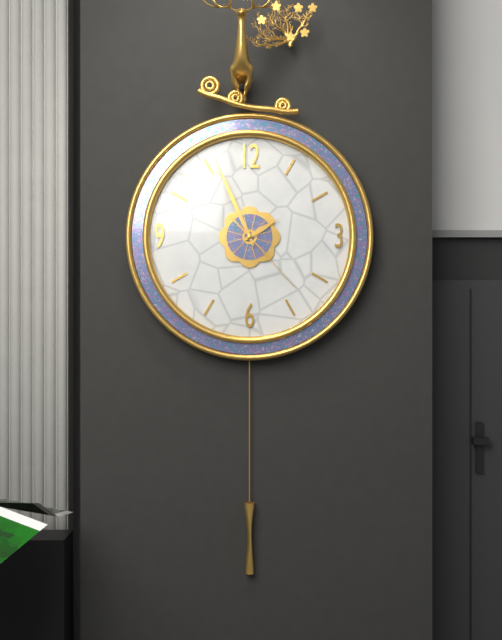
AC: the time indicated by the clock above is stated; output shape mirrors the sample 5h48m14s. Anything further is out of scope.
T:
1h56m23s
